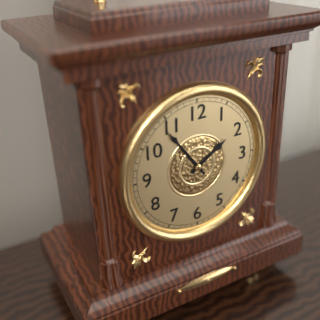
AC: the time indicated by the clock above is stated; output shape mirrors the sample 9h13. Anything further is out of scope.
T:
1h54
